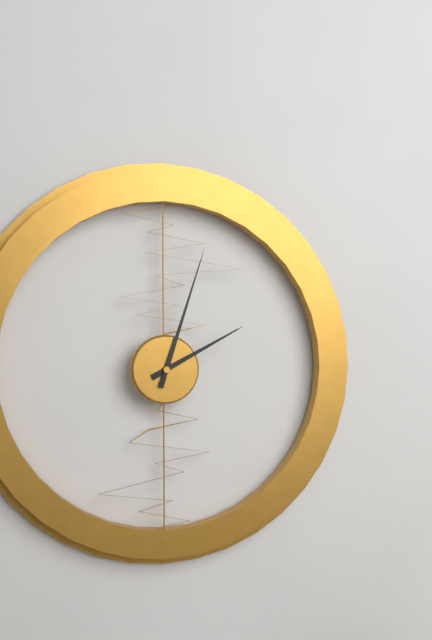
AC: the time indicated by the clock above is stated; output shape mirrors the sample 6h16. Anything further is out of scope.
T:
2h03
